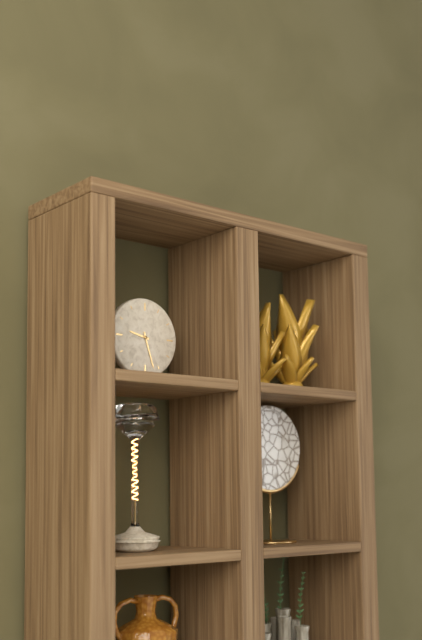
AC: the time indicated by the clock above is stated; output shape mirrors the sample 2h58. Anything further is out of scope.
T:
9h27
